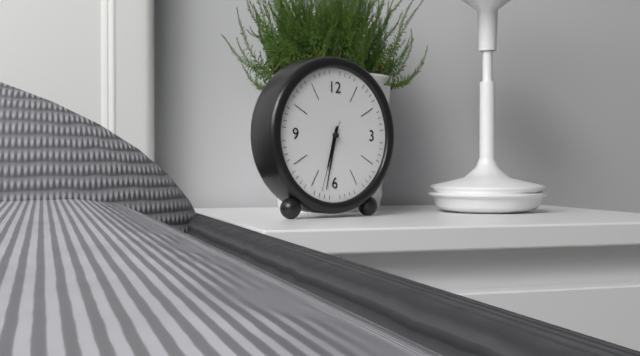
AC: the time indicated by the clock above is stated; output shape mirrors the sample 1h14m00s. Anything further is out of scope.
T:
6h32m33s
